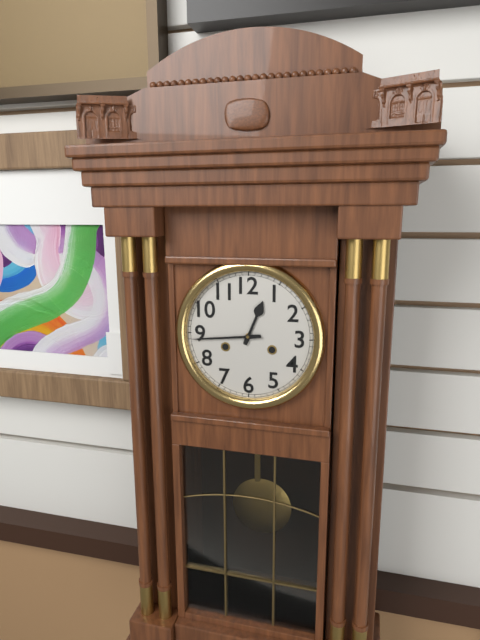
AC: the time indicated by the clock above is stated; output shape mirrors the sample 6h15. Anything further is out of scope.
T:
12h44
